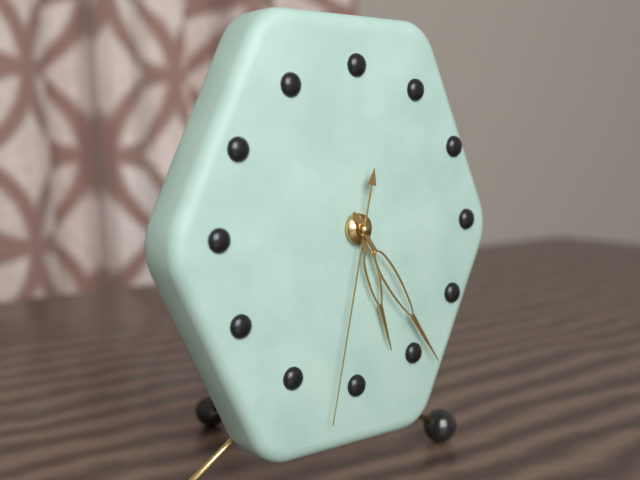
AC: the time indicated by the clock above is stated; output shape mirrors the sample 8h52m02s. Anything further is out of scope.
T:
5h24m32s
